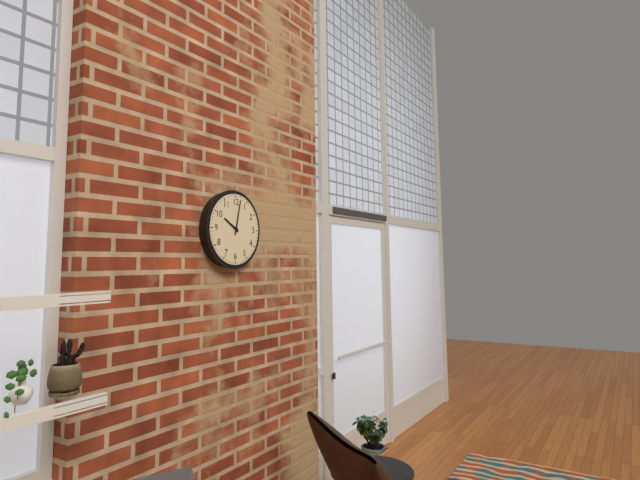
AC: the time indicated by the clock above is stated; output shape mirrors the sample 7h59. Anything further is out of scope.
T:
10h02
